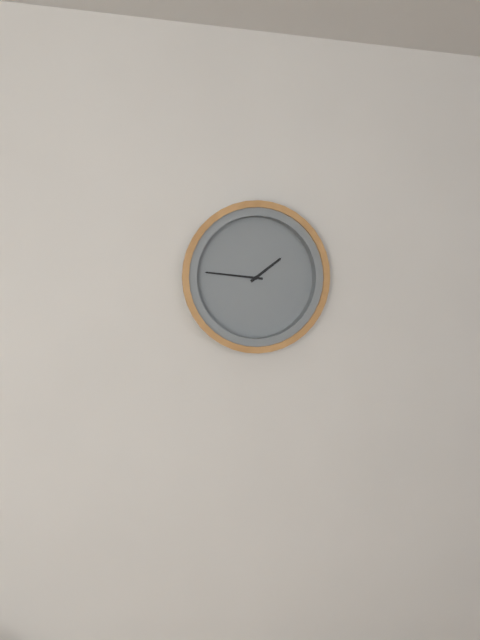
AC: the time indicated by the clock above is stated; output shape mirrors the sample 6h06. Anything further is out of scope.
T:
1h46
